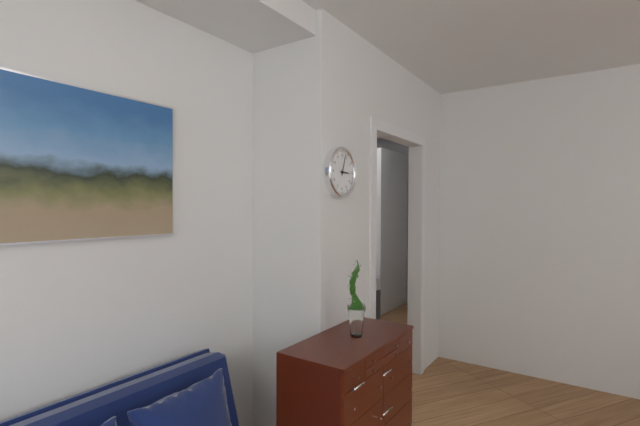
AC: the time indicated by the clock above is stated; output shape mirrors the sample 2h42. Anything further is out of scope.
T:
3h03
